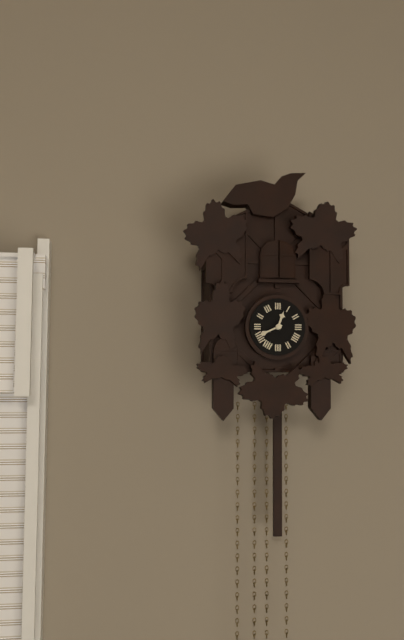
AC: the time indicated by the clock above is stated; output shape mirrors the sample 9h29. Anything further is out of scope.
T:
12h41
